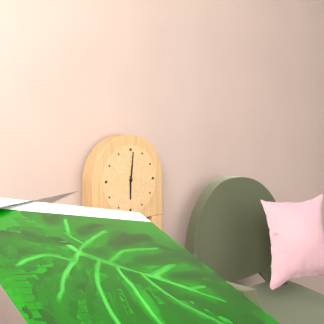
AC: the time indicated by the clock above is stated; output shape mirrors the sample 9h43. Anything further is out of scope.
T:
6h01
